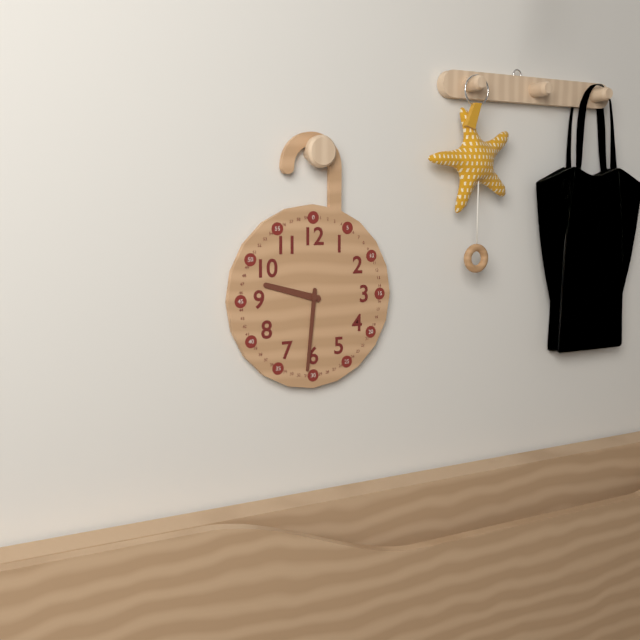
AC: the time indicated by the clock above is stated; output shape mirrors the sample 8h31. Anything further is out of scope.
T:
9h31
